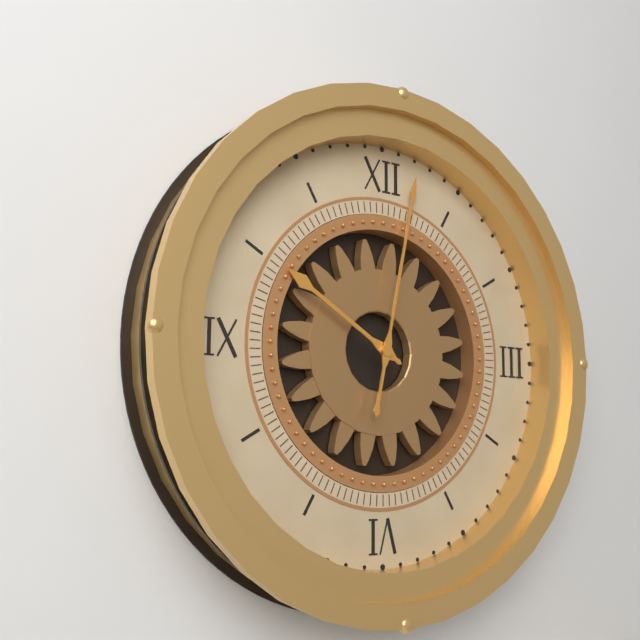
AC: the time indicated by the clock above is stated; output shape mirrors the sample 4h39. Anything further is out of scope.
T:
10h02
